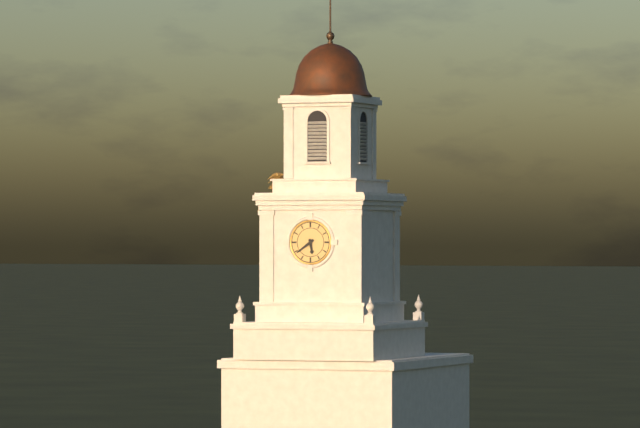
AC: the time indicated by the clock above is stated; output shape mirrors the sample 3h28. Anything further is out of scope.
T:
5h39
